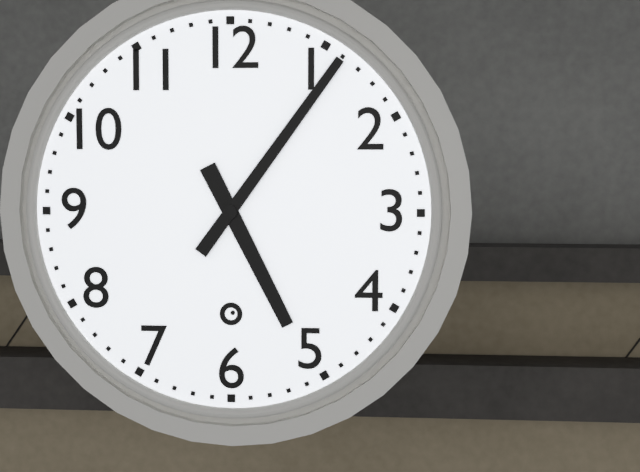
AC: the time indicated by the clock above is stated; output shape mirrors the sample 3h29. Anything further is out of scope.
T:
5h06
